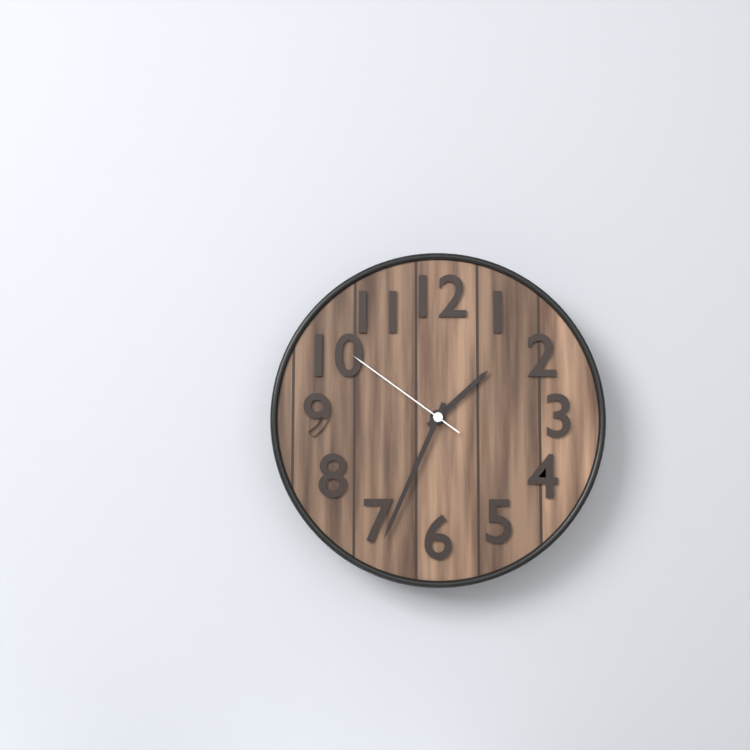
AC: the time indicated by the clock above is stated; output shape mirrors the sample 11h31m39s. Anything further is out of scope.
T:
1h34m51s
